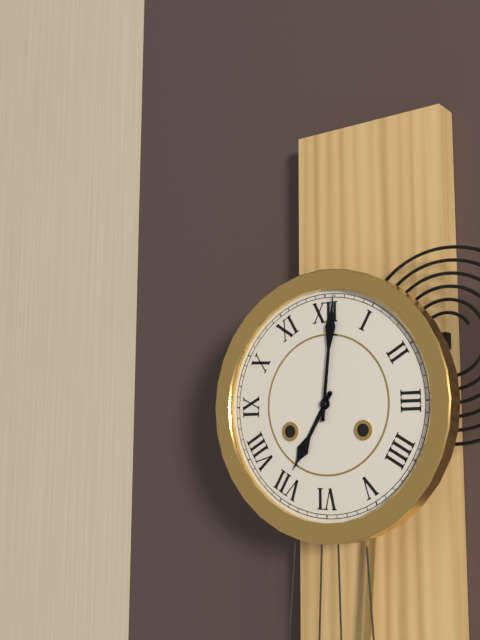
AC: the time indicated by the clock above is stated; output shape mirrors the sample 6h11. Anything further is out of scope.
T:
7h01
